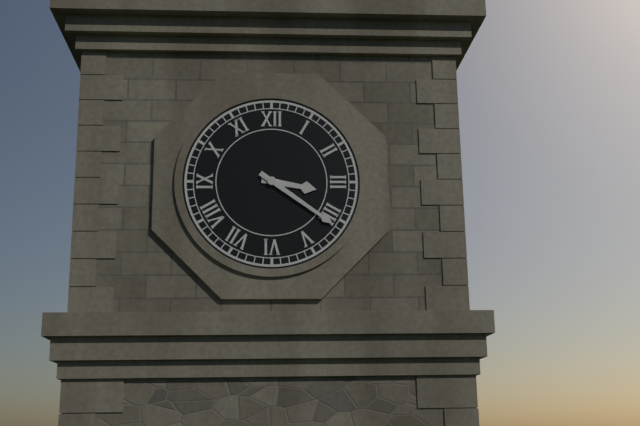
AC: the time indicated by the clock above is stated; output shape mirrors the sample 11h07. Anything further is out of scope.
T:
3h21
